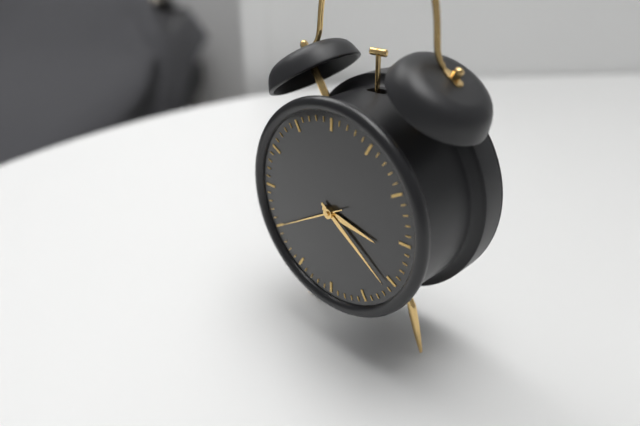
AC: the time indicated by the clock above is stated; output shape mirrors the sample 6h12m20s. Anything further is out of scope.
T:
3h21m40s
